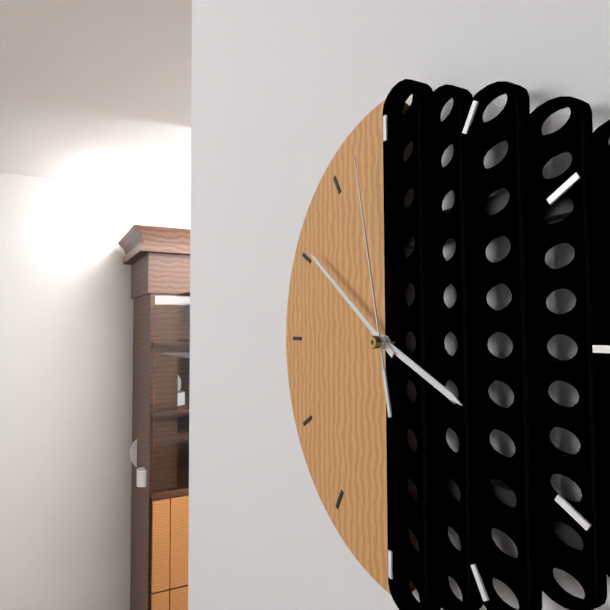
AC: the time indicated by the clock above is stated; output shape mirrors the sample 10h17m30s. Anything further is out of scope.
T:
3h51m58s
